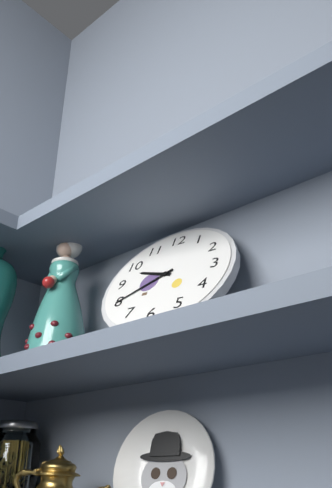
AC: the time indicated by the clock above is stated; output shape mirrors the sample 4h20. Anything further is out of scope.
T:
9h40
